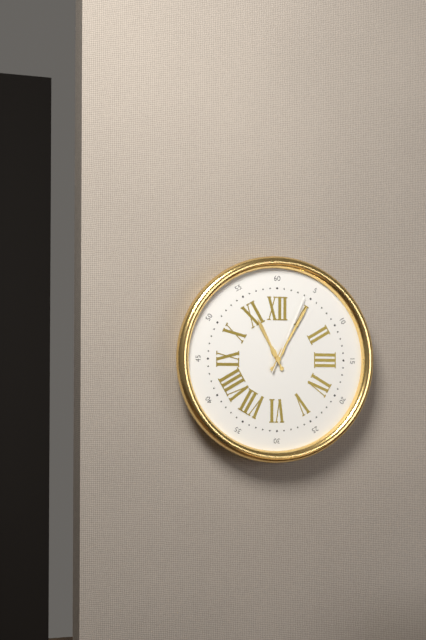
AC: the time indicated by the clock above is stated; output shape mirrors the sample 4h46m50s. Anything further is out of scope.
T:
11h05m04s
